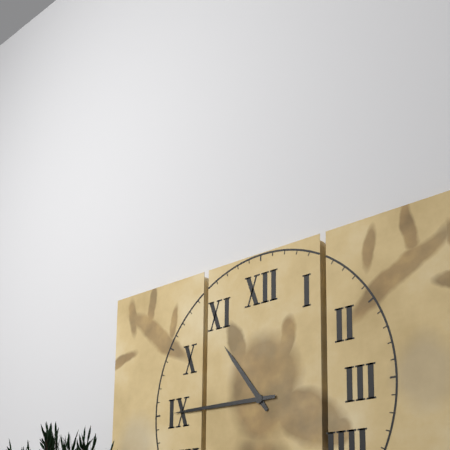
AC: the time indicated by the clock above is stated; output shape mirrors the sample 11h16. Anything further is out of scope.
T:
10h45
